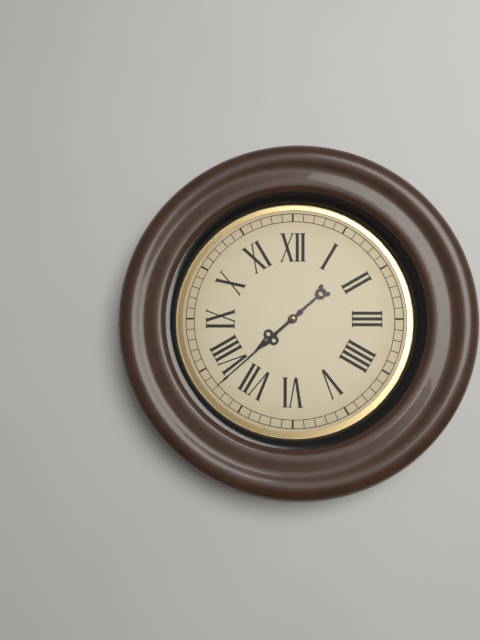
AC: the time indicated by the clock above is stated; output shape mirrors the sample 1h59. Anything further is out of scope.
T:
7h38
